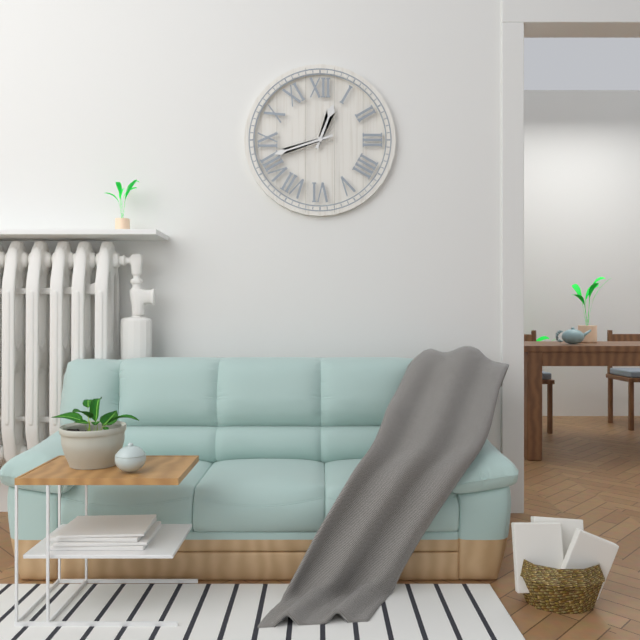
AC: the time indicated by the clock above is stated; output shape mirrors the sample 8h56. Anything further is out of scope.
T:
12h42
